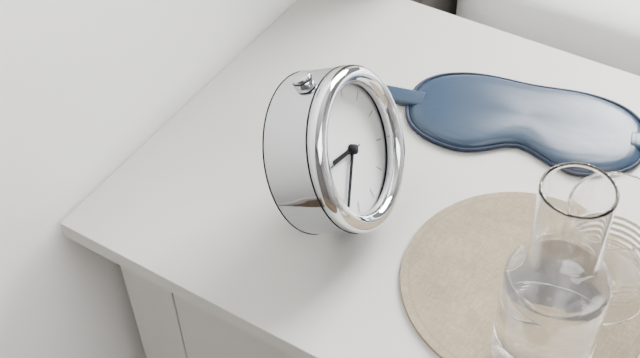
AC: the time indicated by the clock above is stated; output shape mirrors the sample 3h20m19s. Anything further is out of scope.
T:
9h39m48s
